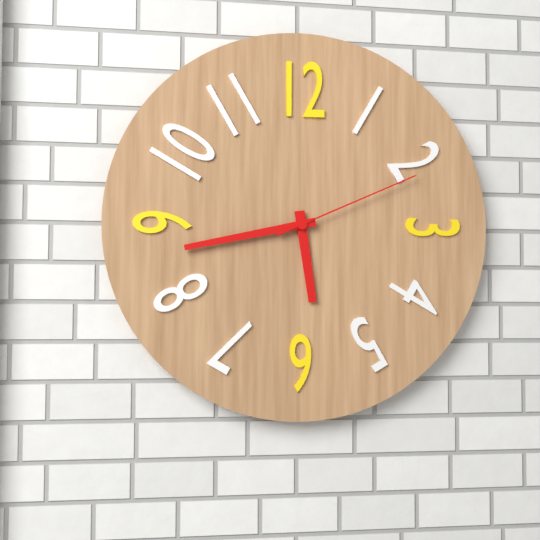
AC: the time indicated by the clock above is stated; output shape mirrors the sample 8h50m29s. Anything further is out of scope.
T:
5h43m11s
